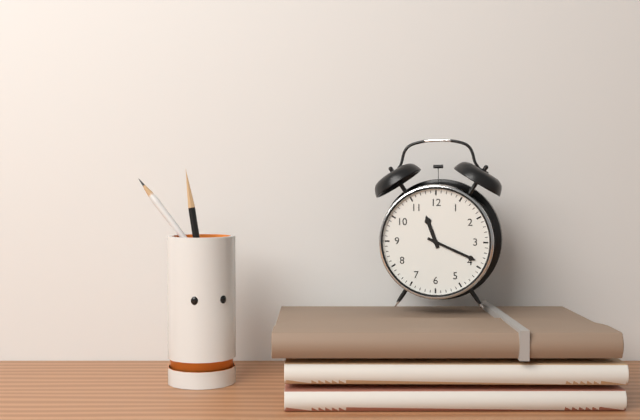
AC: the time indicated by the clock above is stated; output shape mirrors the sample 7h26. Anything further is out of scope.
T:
11h19
